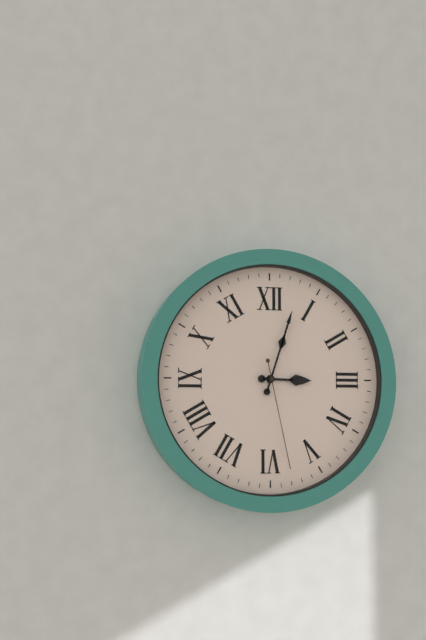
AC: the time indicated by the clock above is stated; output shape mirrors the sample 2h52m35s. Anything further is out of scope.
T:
3h03m28s
